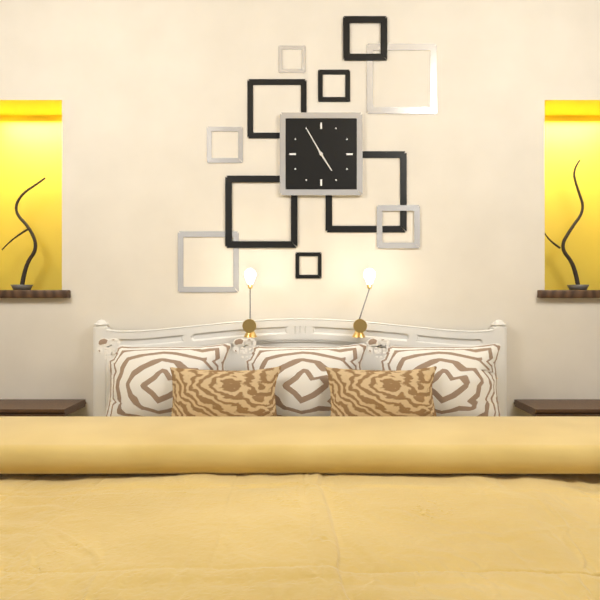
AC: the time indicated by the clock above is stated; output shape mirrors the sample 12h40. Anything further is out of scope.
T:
4h55
